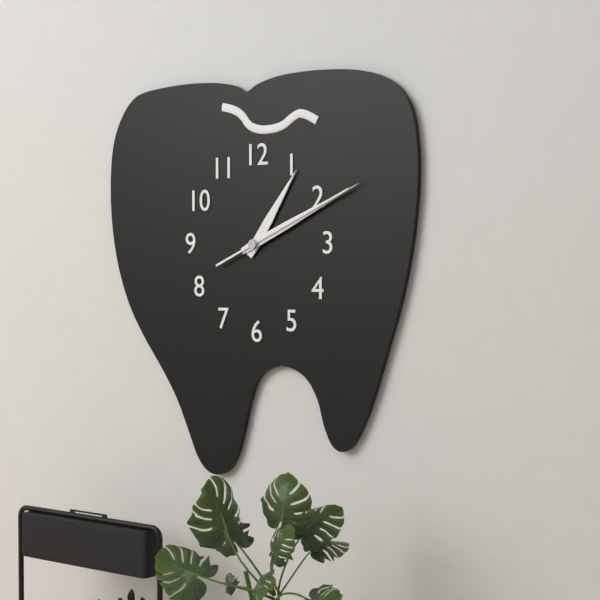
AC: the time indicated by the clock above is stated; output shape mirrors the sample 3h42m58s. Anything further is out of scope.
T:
1h11m11s
